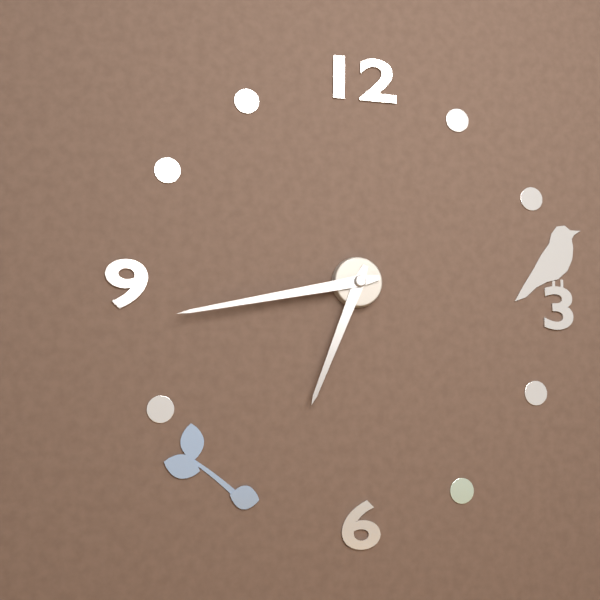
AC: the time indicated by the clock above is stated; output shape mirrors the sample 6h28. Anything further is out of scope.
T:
6h43
